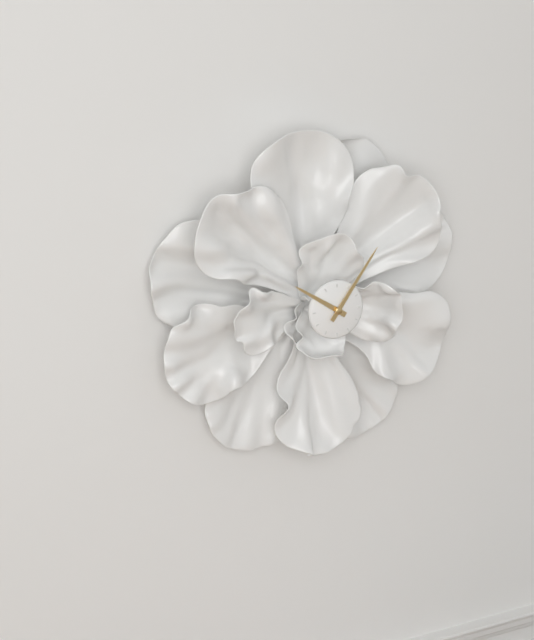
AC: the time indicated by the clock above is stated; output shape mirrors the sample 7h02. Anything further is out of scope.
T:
10h06
